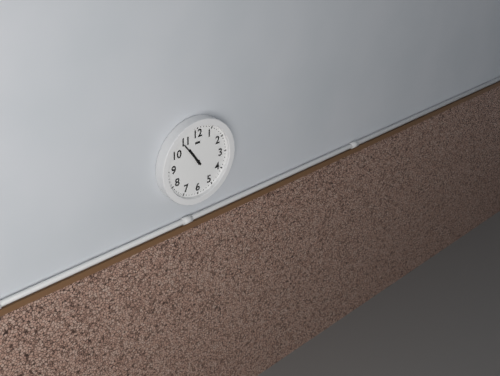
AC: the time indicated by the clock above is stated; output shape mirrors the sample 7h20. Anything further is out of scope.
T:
10h54
